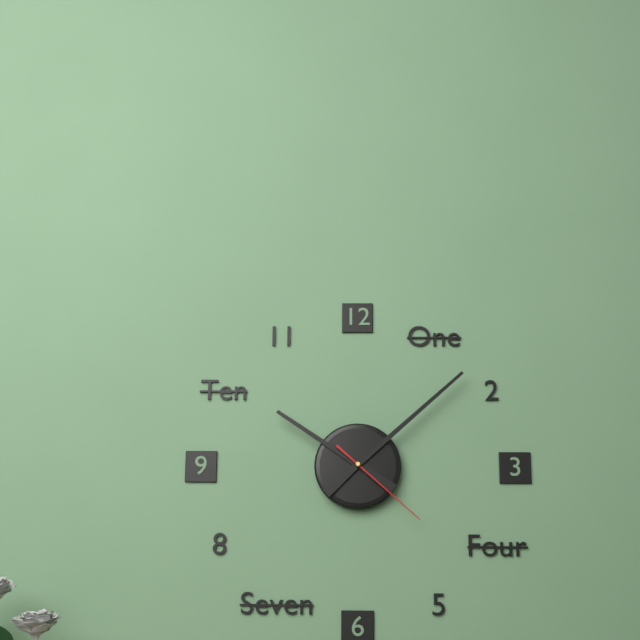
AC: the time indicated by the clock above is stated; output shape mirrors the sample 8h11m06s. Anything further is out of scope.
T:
10h08m22s
